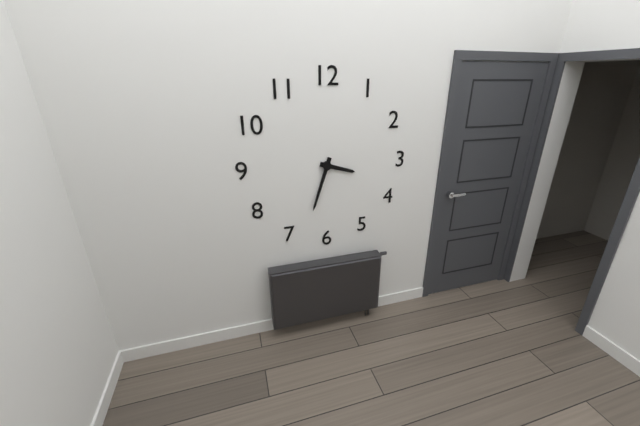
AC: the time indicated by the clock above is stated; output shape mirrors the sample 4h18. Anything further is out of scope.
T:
3h33
